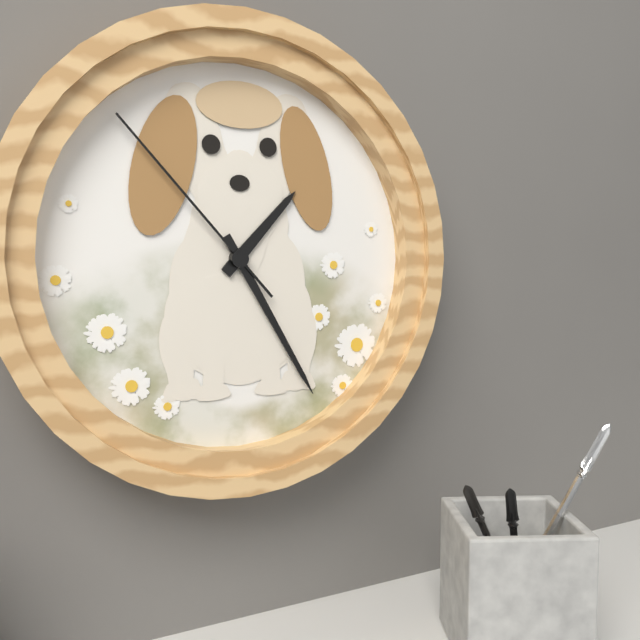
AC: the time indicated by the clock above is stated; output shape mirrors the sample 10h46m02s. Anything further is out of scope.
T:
1h25m53s
